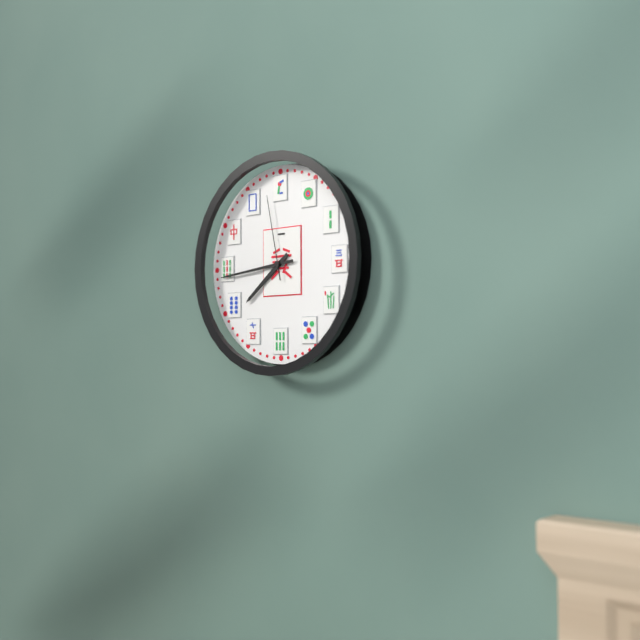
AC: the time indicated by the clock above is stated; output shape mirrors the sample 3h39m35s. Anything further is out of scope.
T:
7h44m58s
